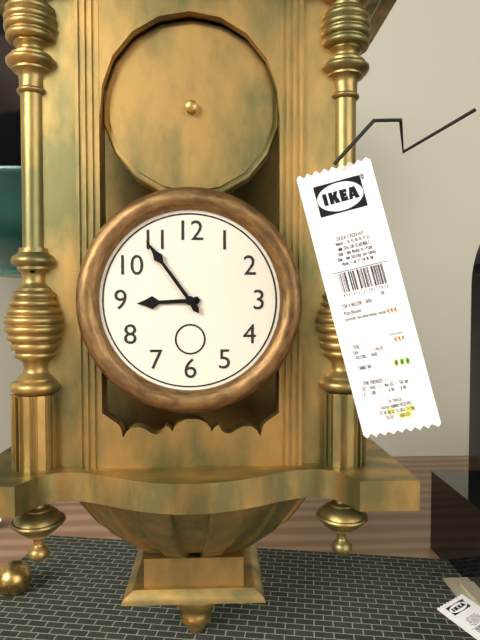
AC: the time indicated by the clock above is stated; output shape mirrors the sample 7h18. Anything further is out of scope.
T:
8h54
